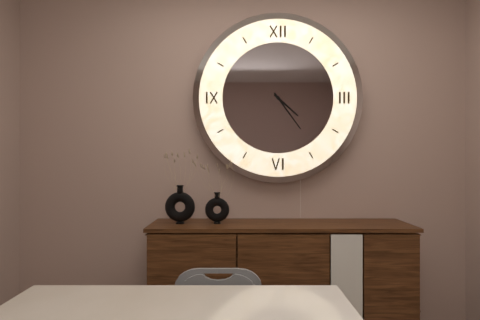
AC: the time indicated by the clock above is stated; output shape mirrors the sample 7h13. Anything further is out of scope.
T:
4h24
